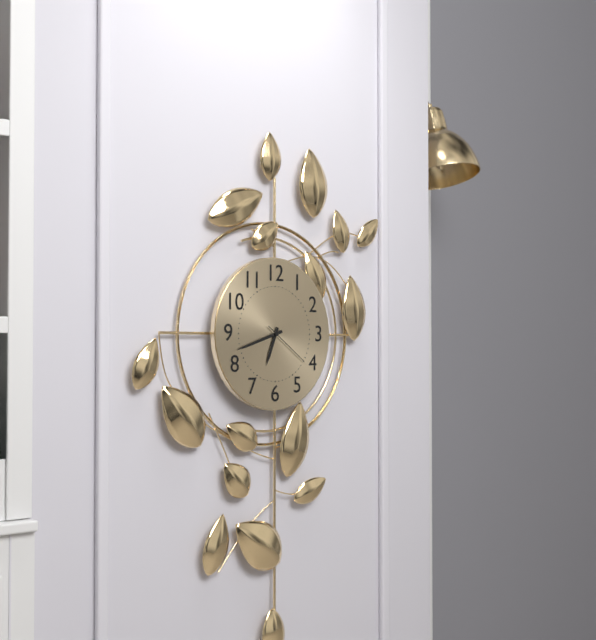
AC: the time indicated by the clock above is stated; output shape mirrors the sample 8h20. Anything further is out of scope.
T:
6h42
